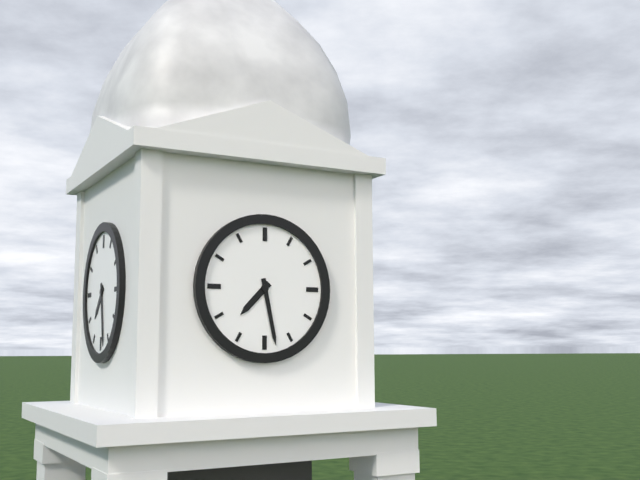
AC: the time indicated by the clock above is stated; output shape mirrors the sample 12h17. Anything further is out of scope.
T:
7h28
